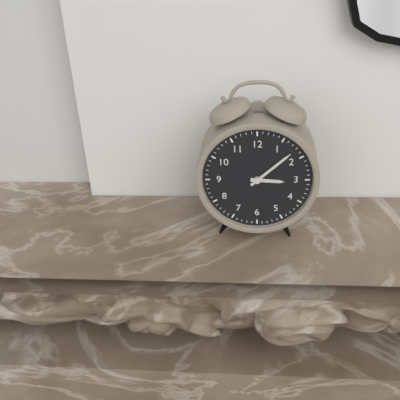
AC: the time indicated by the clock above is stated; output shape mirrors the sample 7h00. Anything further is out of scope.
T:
3h08
